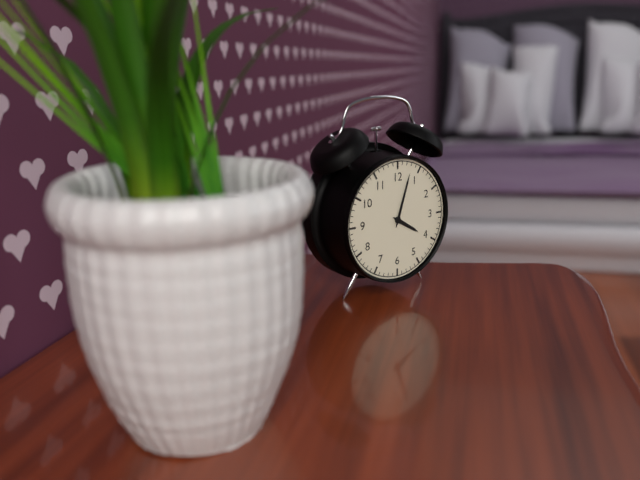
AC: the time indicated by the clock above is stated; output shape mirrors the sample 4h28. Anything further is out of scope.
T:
4h03
